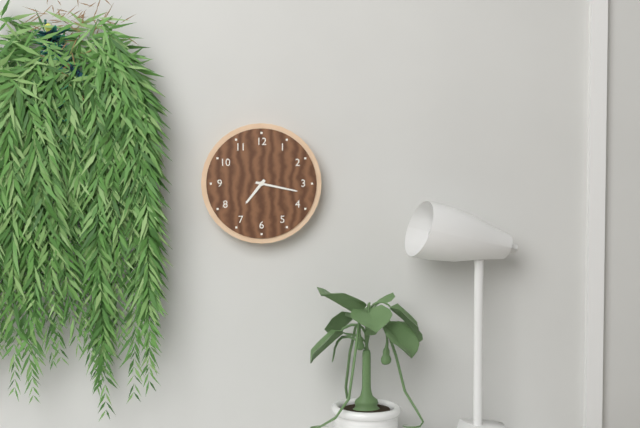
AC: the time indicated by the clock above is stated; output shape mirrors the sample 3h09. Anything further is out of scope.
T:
7h17
